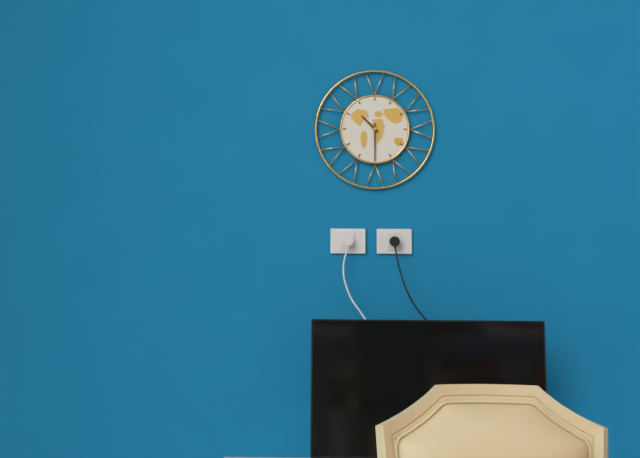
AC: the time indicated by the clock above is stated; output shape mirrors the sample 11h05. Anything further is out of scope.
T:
10h30
